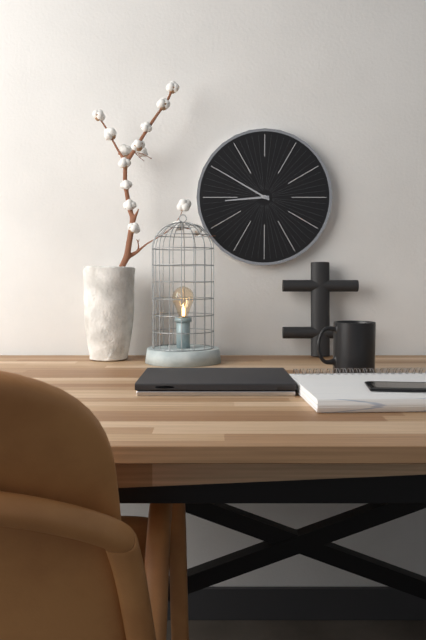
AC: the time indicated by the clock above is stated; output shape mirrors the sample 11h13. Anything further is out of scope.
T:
8h50
